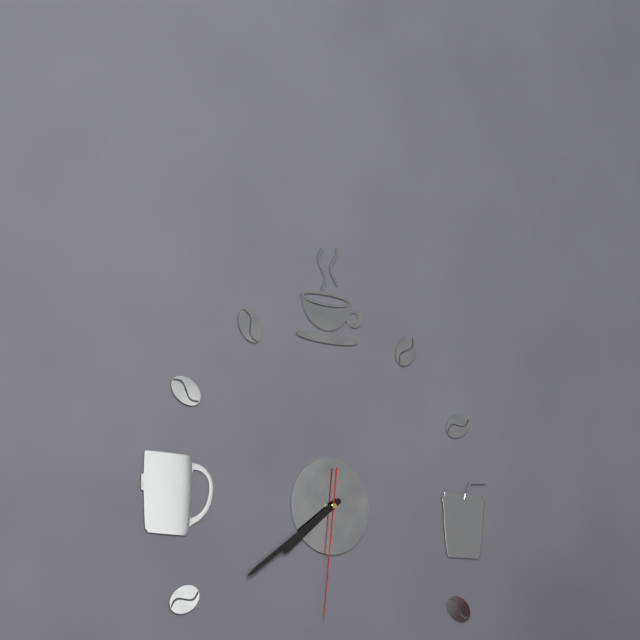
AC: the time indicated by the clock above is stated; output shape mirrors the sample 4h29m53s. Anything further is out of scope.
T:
7h39m31s
